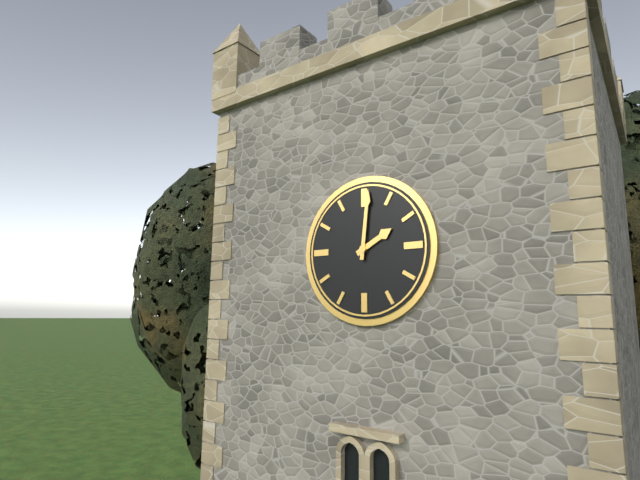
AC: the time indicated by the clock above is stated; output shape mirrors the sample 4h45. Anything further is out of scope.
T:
2h01
